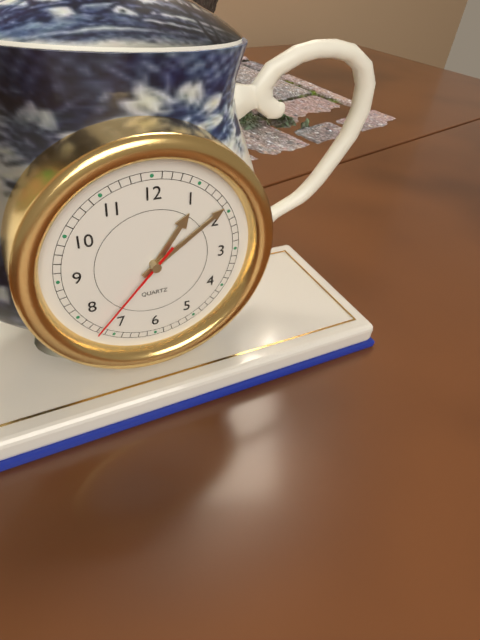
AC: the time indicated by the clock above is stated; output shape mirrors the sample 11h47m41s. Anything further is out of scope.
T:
1h09m37s
